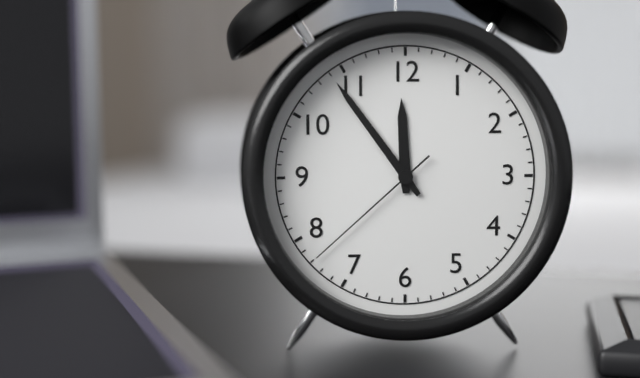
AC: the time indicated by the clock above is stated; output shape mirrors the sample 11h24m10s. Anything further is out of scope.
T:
11h54m38s
